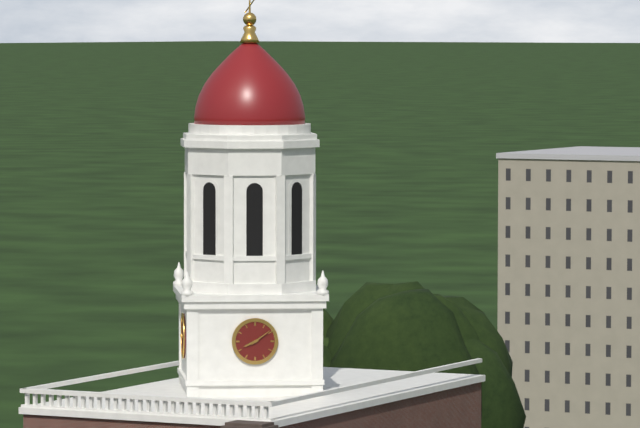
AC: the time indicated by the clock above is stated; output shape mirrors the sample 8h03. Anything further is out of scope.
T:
8h09
